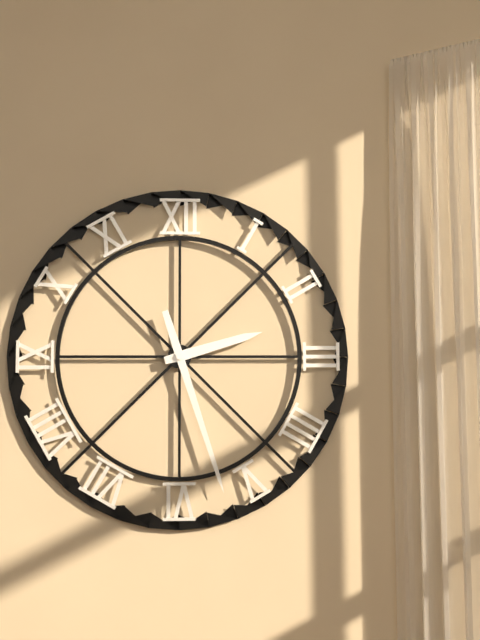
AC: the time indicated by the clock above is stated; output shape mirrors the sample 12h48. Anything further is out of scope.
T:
2h27
